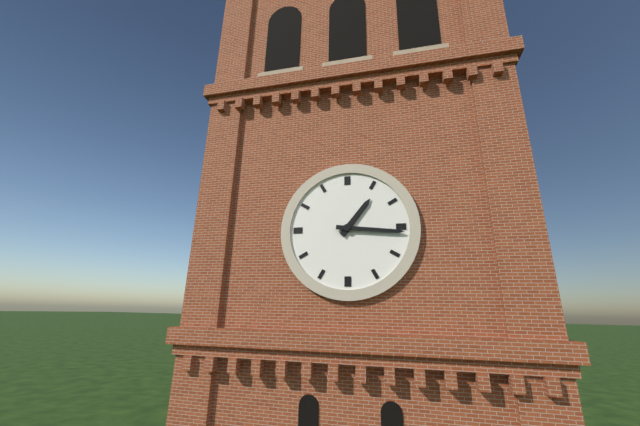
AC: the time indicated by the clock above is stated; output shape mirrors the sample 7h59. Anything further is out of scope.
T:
1h16
